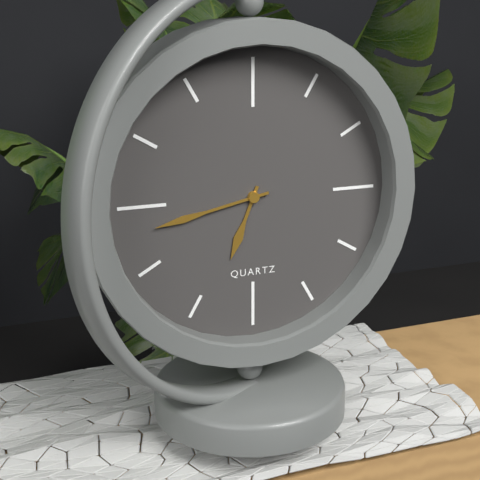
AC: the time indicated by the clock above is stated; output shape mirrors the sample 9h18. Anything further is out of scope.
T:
6h43
